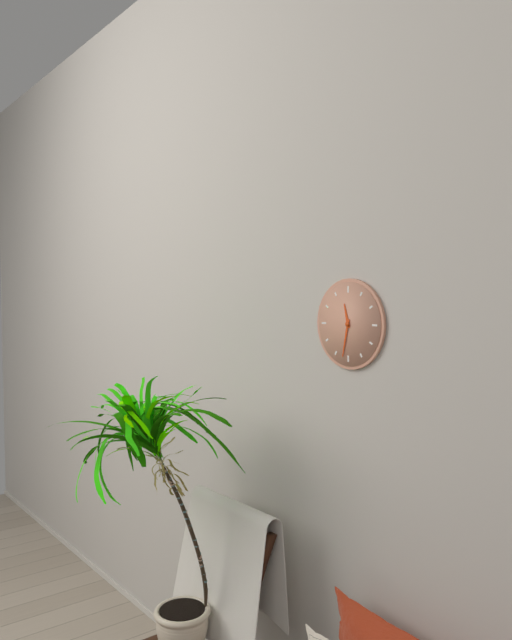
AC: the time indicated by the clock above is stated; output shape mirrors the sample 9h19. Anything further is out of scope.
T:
11h32
